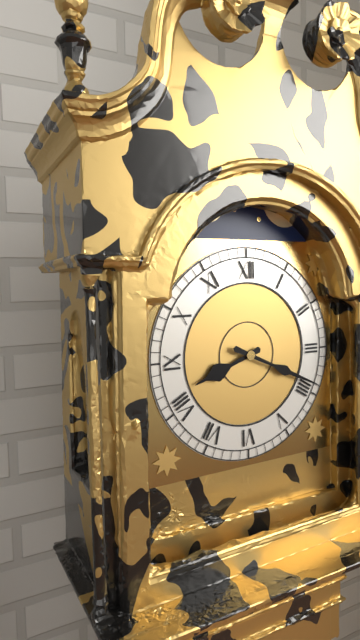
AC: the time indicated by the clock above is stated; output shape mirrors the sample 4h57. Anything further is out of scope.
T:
8h19
